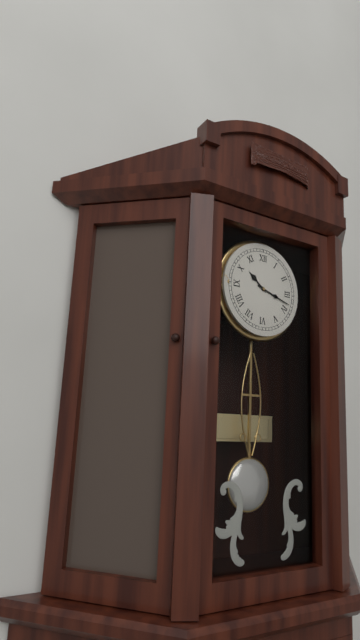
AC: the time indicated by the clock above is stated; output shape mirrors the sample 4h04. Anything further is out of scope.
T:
10h18
